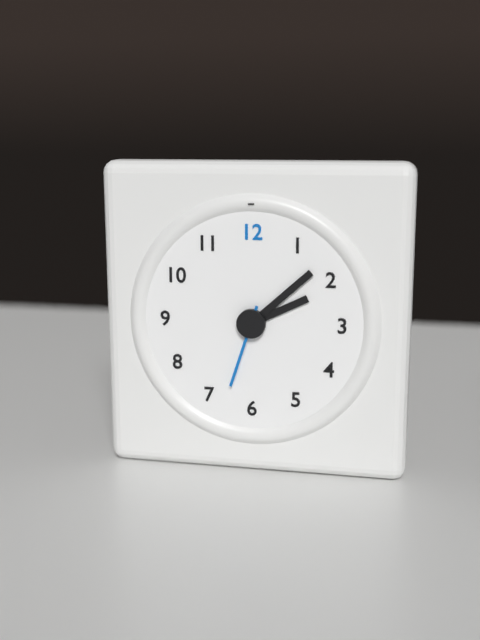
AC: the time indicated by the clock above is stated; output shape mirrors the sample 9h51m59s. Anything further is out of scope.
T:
2h08m33s
